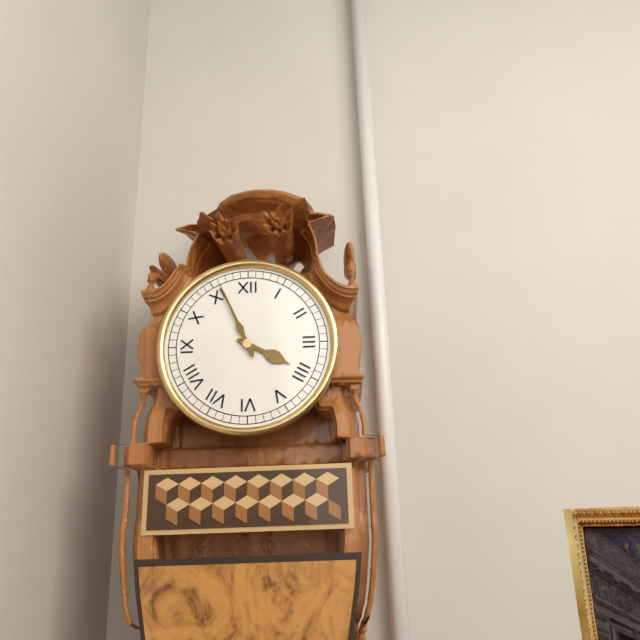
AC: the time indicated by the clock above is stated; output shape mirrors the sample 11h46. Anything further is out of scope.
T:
3h56
